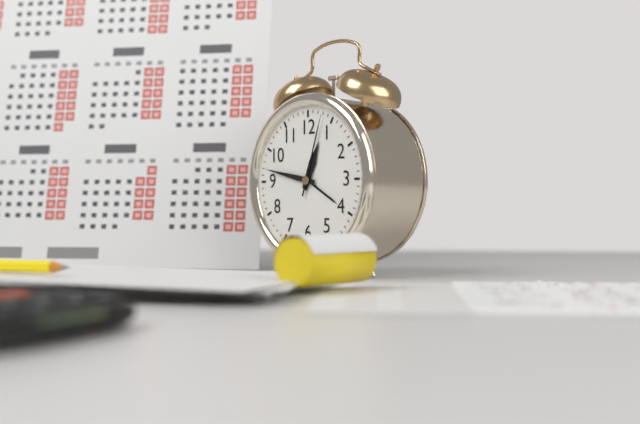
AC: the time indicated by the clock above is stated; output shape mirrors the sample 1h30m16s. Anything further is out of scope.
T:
12h47m03s
